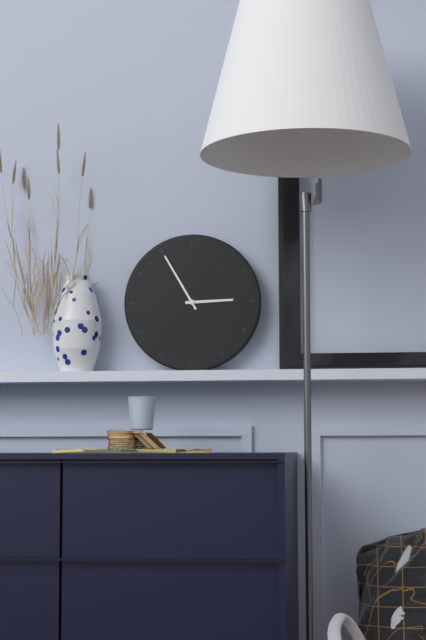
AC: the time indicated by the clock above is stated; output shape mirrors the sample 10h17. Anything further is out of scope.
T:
2h55
